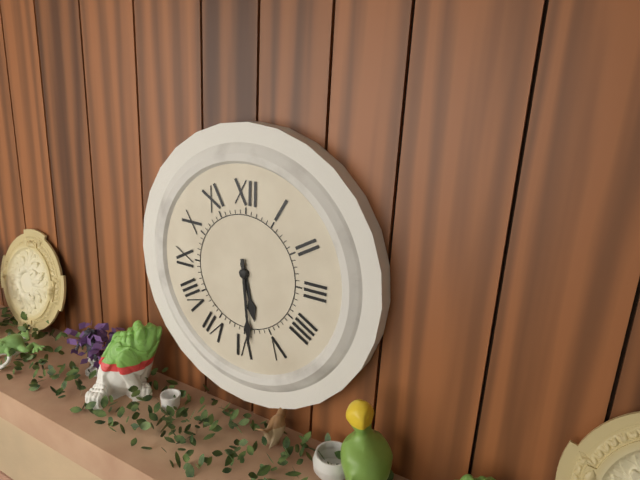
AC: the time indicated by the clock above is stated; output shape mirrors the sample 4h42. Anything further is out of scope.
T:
5h29
